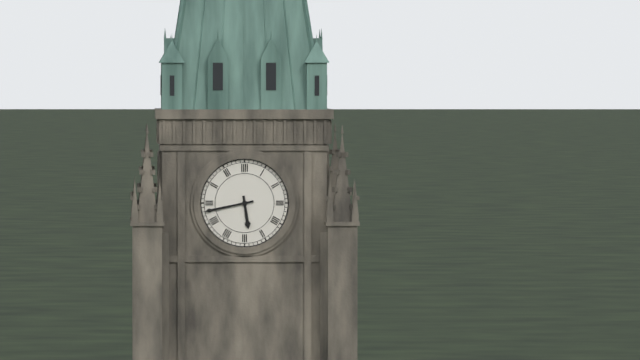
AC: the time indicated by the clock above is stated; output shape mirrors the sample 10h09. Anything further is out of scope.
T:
5h43
